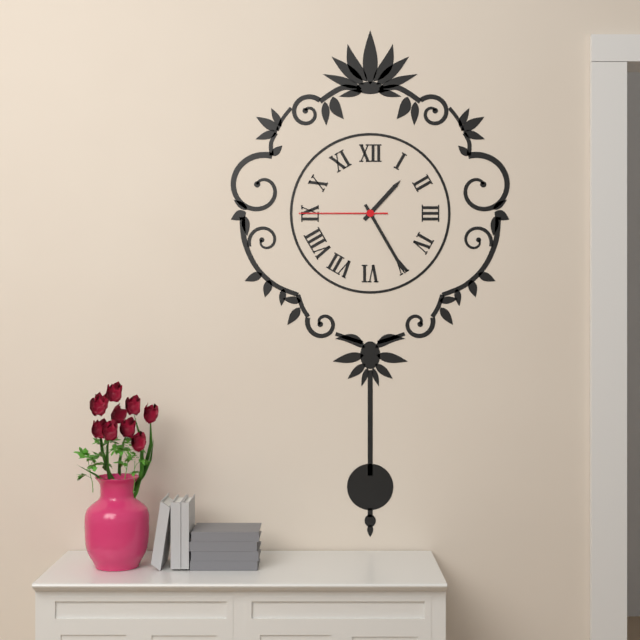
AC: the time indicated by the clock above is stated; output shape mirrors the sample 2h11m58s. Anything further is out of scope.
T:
1h25m45s
